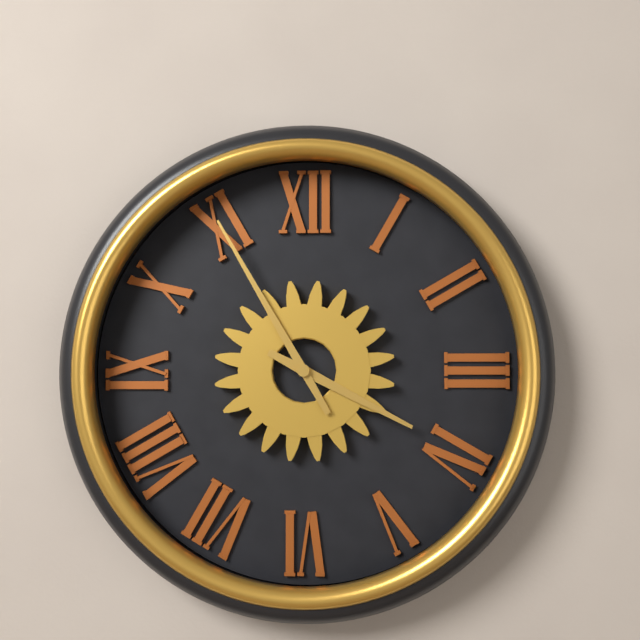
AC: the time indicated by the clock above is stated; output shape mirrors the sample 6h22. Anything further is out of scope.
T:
3h55
